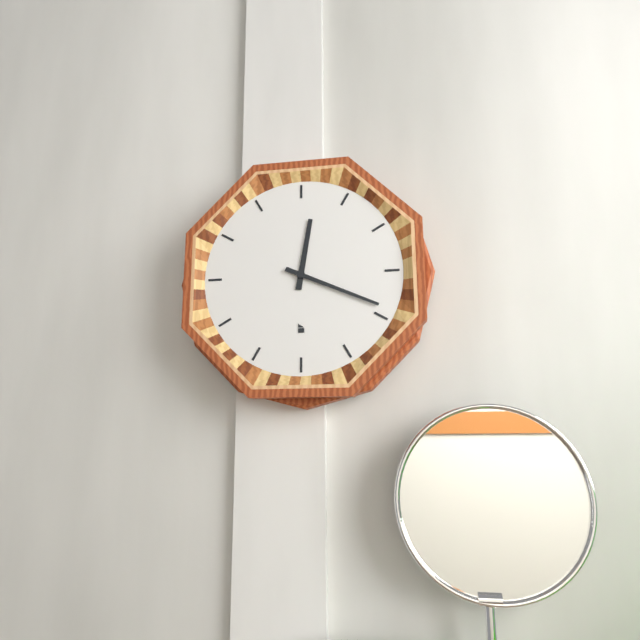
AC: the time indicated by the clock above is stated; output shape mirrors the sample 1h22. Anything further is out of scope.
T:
12h19
